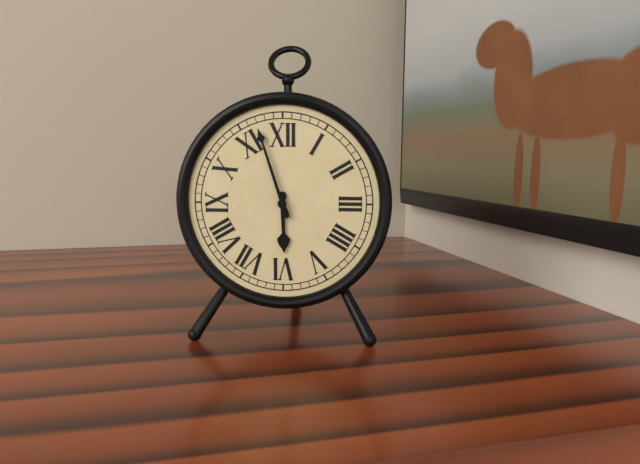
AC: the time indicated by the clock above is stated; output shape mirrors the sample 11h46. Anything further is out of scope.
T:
5h57
